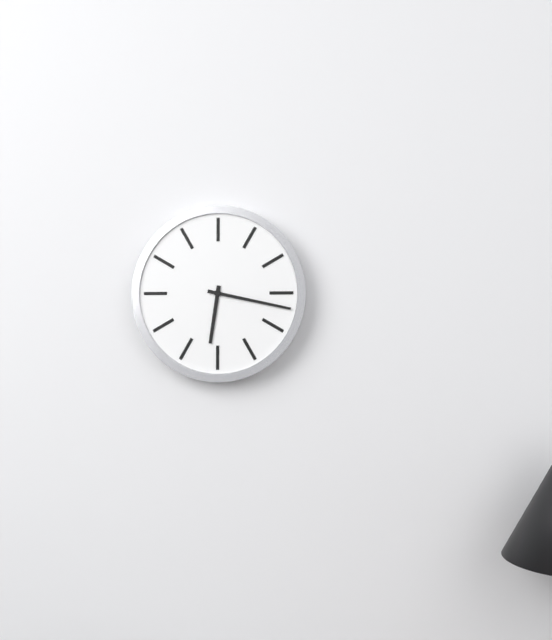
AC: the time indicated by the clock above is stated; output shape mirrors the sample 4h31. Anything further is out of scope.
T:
6h17
